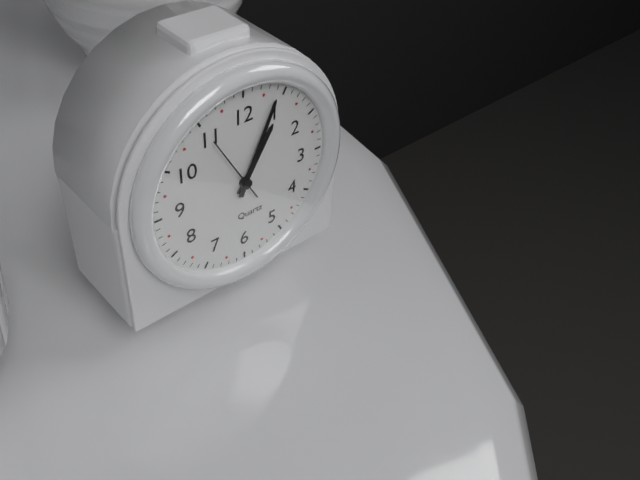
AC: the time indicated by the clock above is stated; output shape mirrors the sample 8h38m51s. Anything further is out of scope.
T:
1h04m55s
